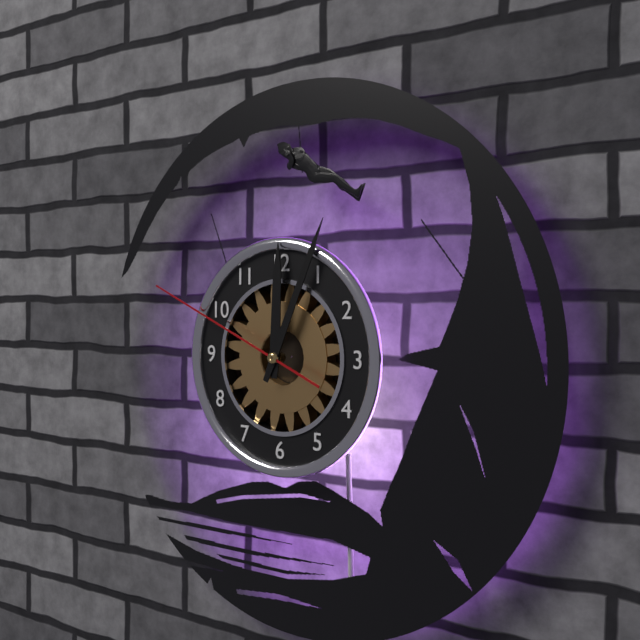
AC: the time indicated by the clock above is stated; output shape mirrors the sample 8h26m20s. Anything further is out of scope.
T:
12h04m49s
